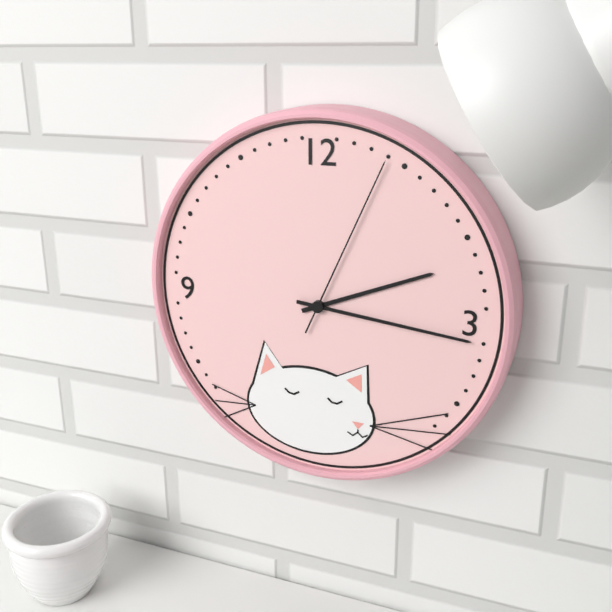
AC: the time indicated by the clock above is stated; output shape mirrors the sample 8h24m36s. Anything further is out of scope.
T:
2h16m04s
